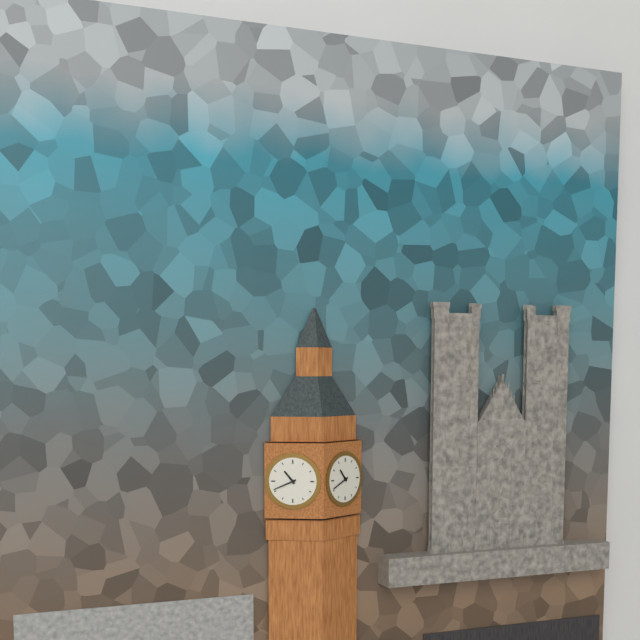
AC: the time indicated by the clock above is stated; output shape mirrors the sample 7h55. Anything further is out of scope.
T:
10h41
